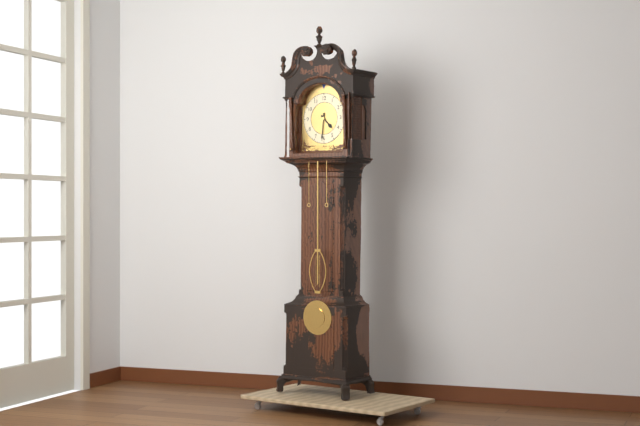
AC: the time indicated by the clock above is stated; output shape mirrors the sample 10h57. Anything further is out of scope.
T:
4h31
